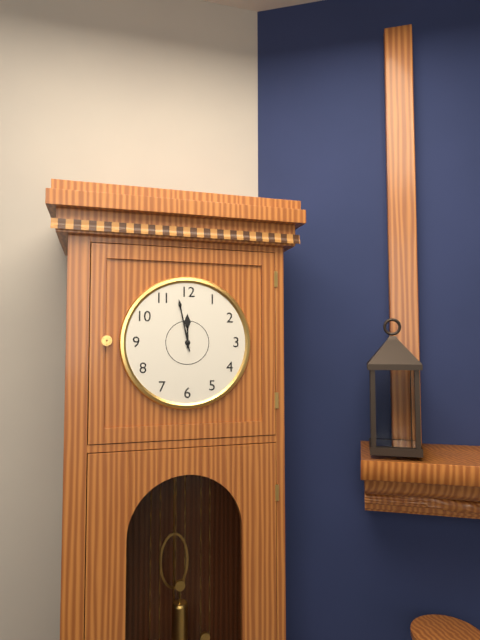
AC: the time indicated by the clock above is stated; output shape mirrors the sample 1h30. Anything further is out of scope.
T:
11h58
